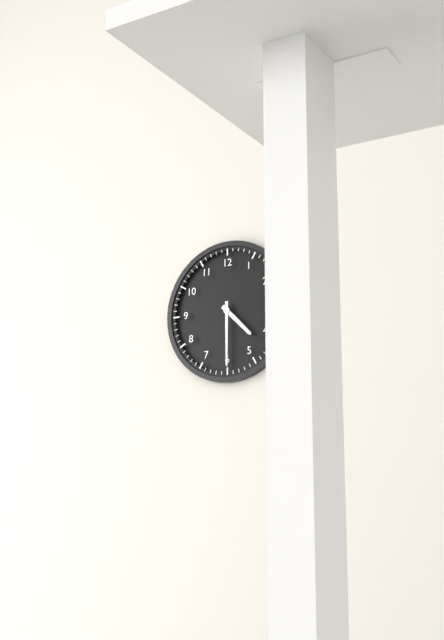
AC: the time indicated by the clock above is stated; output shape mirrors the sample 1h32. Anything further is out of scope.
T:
4h30
